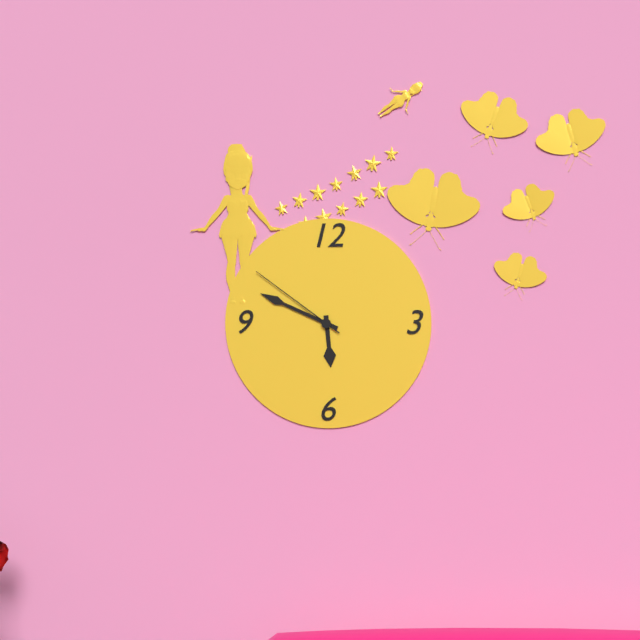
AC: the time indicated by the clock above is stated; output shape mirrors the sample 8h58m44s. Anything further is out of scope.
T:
5h49m51s
